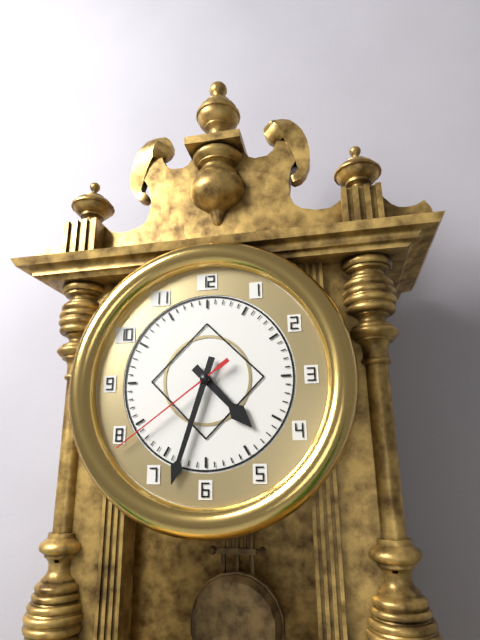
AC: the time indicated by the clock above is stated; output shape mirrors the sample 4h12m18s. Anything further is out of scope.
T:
4h33m39s
